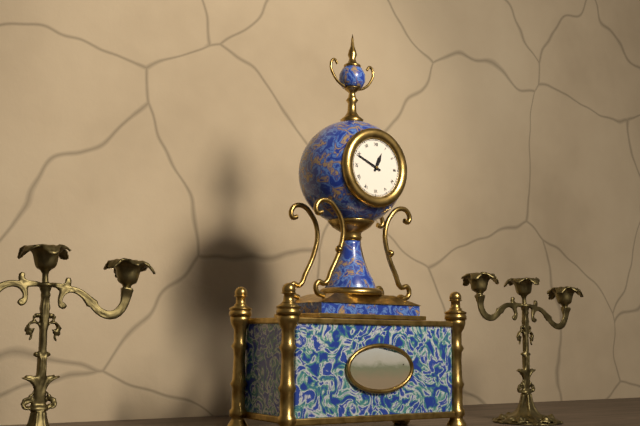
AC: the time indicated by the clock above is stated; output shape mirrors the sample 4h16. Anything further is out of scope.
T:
12h49
